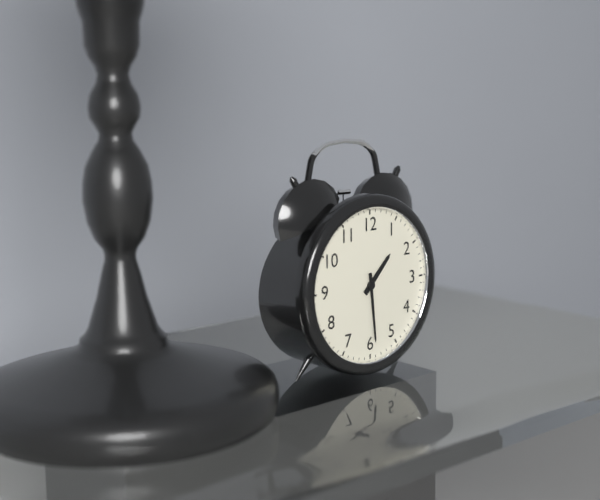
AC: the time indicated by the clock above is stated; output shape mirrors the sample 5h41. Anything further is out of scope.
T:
1h29
